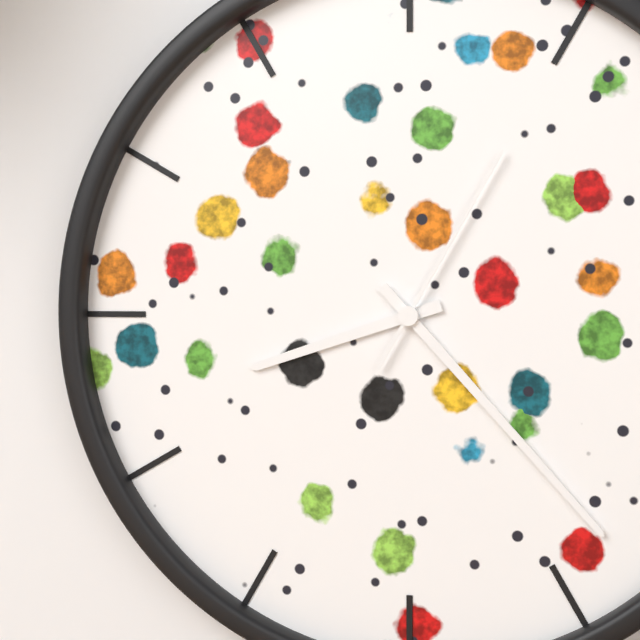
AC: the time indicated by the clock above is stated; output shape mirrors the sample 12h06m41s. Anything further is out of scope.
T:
8h23m05s
